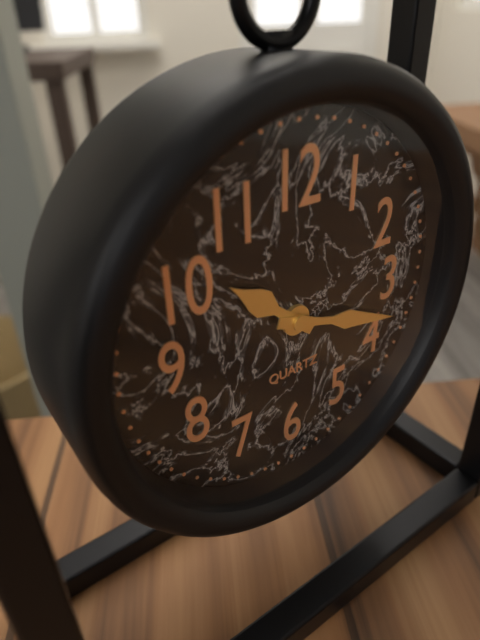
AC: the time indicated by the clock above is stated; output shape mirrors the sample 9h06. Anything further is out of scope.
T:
10h18
